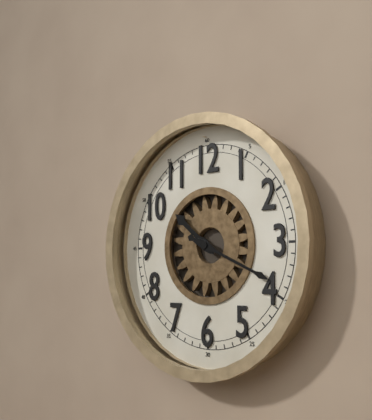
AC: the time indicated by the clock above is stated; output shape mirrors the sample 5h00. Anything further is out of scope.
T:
10h19
